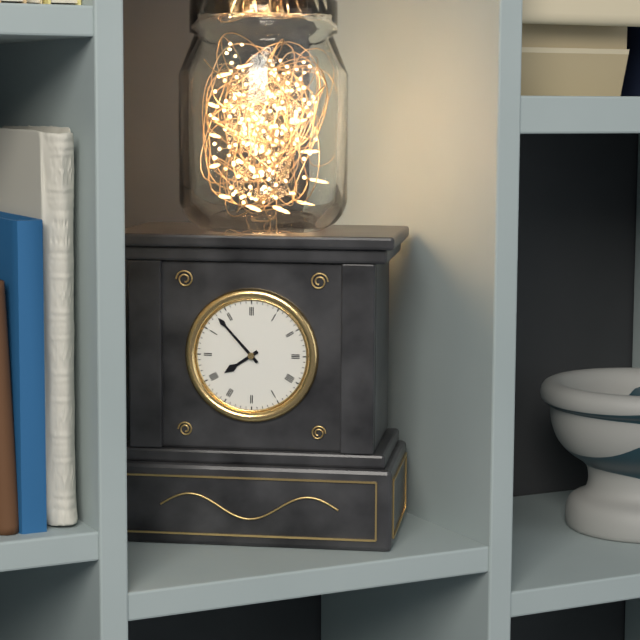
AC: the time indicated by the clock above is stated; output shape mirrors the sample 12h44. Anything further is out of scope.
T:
7h53
